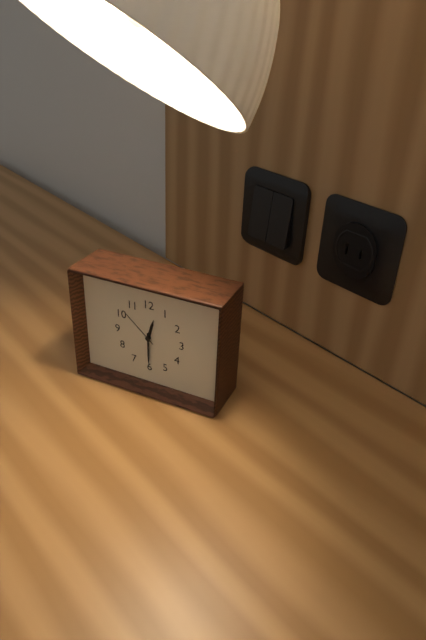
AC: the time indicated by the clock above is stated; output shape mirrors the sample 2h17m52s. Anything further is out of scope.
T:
12h30m52s
